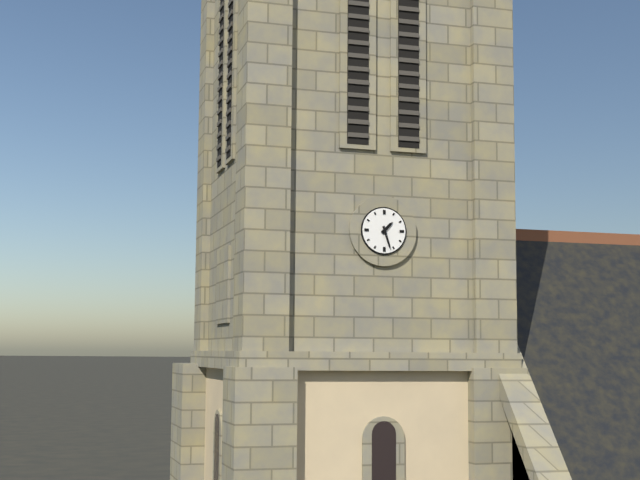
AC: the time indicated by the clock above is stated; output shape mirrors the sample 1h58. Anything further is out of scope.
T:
1h27
